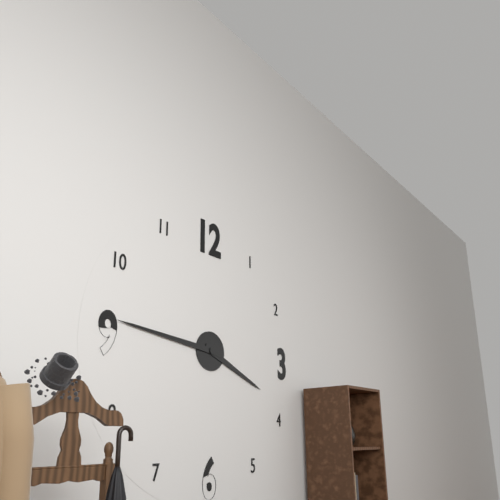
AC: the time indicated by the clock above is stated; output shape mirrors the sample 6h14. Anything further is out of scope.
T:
3h46
